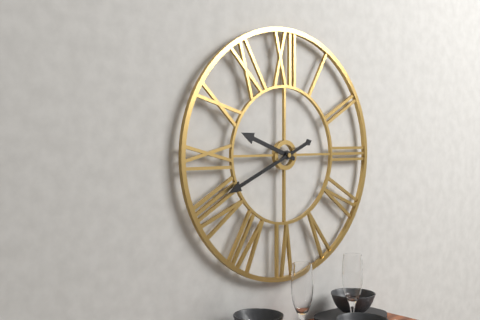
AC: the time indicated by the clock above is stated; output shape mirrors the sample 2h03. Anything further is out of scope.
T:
9h41
